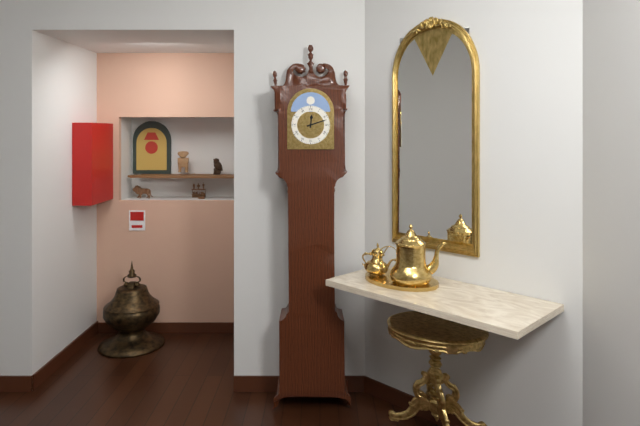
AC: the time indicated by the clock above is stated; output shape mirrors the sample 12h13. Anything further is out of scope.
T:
12h12
